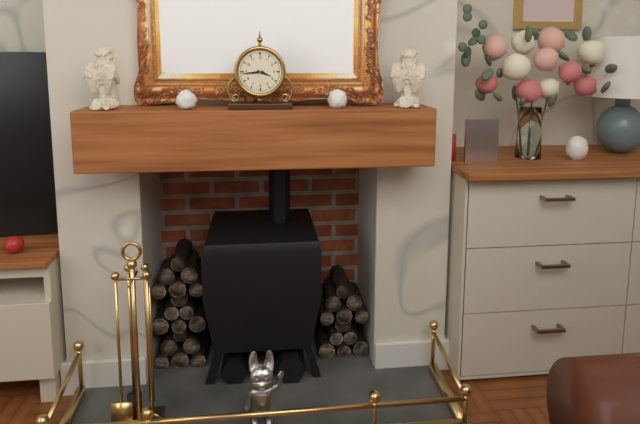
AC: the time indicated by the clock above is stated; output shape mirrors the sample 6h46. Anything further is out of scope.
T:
3h44
